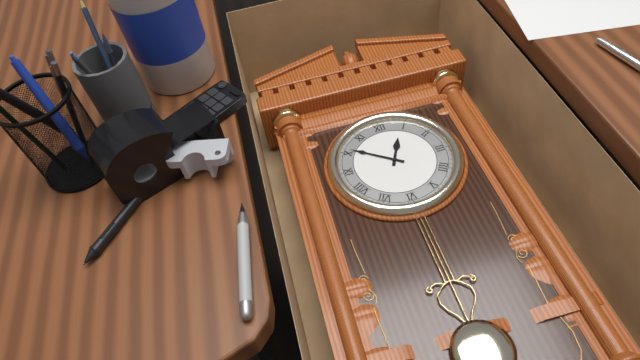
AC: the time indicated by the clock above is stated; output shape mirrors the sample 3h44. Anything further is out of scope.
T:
12h51
